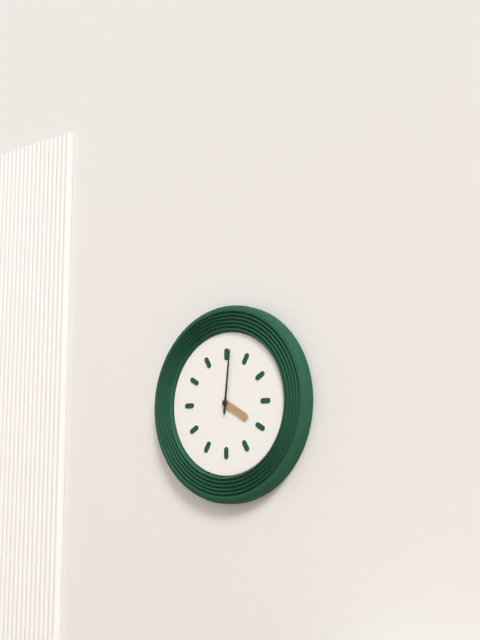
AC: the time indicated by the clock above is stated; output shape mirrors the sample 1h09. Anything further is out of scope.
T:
4h01
